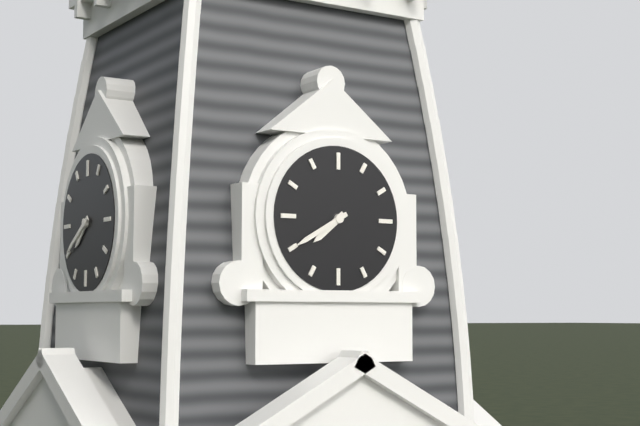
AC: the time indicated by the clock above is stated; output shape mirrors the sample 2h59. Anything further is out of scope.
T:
7h40
